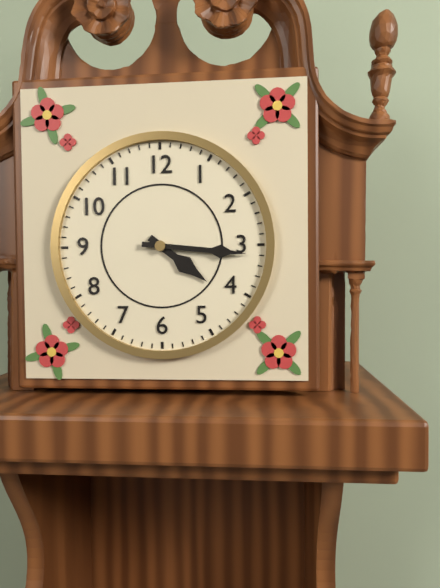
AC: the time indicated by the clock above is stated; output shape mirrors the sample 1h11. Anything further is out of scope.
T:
4h16
